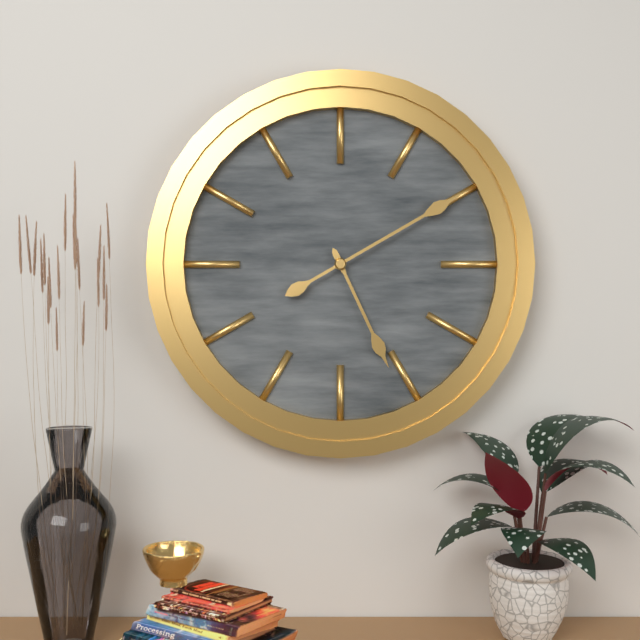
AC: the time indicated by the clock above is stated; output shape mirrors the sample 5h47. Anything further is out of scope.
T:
5h10
